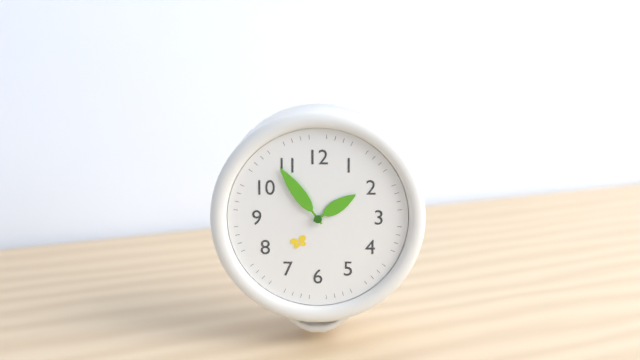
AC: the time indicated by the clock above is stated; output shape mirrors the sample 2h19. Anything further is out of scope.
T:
1h54
